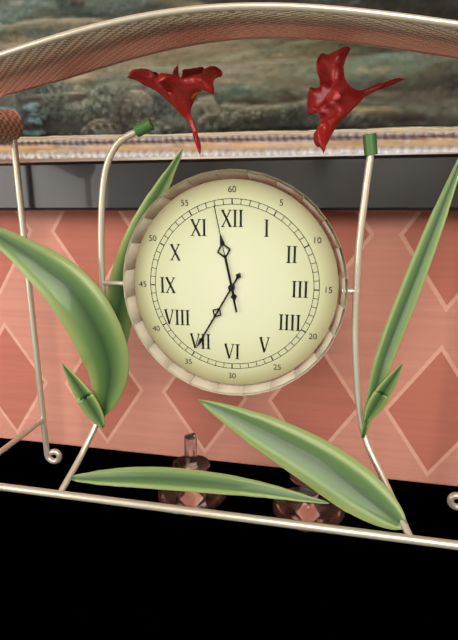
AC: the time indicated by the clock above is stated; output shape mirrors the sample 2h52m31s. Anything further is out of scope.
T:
11h35m58s
